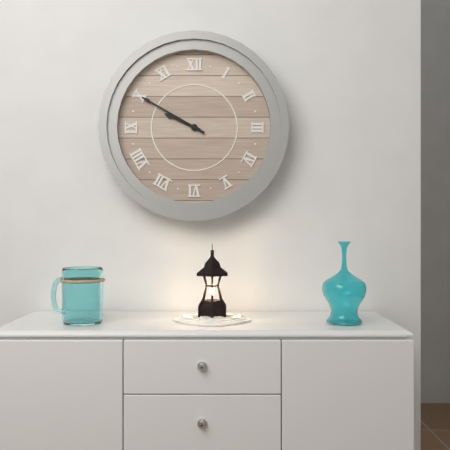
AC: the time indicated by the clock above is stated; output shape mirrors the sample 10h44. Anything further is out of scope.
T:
9h50
